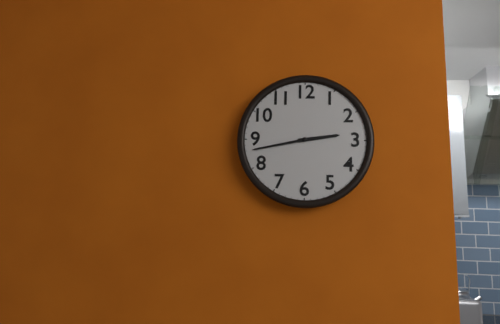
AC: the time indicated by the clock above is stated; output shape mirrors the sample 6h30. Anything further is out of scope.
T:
2h43
